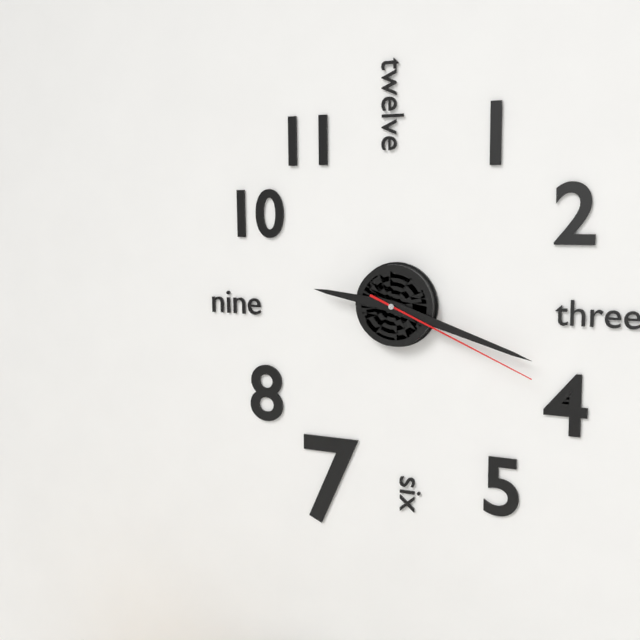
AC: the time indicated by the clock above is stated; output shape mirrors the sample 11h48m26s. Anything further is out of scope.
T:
9h18m19s
